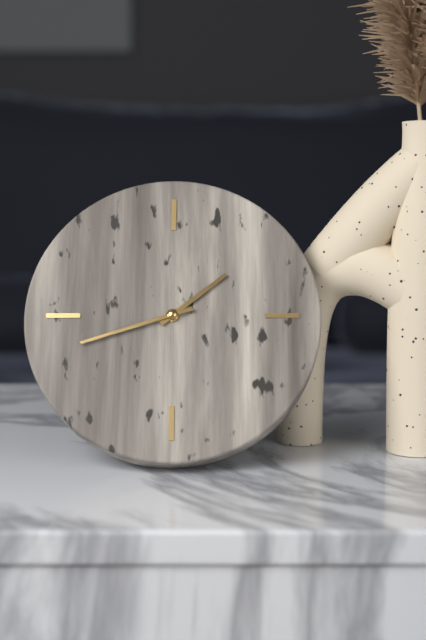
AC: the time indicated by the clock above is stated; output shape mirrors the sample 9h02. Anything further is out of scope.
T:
1h42
